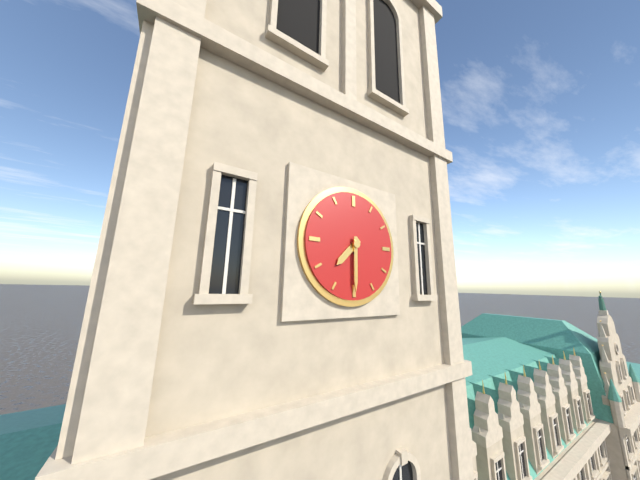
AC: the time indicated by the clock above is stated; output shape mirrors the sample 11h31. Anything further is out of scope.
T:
7h30
